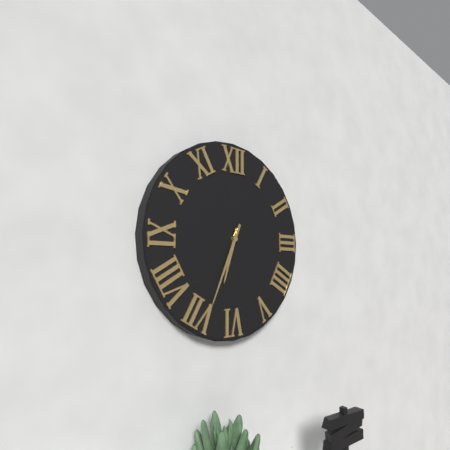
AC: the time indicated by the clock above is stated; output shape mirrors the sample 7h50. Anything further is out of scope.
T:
6h34
